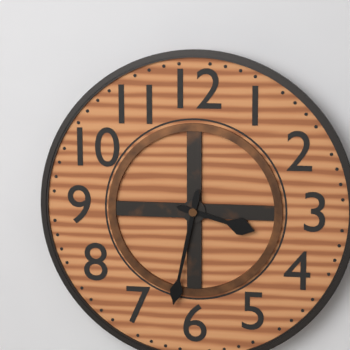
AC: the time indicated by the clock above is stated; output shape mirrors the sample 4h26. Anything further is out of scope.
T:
3h32
